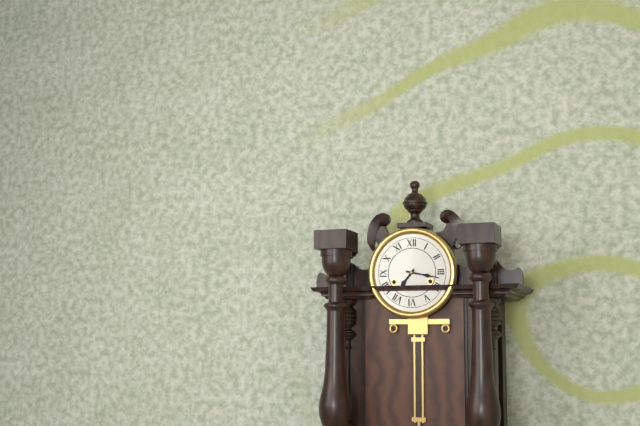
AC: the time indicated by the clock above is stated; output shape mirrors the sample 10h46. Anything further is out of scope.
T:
7h17
